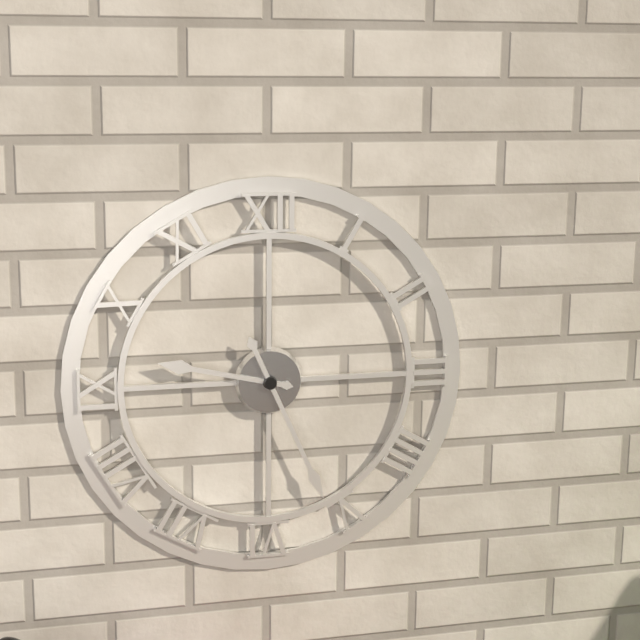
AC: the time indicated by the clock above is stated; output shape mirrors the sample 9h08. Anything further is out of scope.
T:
9h26
